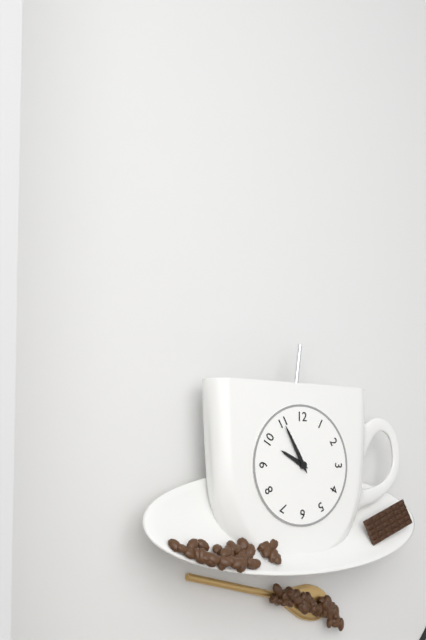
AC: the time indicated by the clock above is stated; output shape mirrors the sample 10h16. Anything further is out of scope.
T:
9h55
